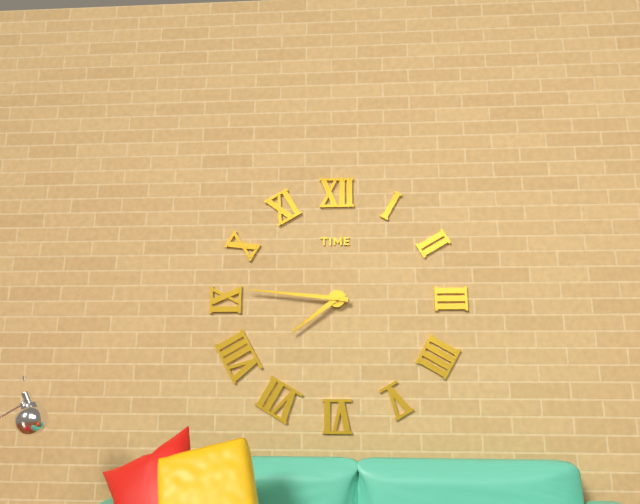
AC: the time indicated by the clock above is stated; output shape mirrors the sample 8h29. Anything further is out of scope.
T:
7h46
